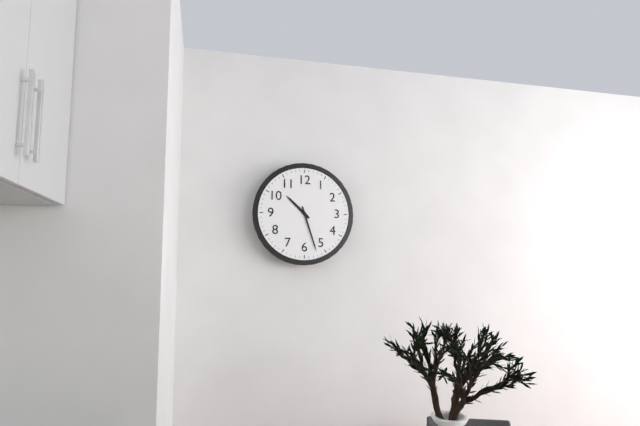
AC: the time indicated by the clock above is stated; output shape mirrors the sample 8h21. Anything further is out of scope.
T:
10h27
